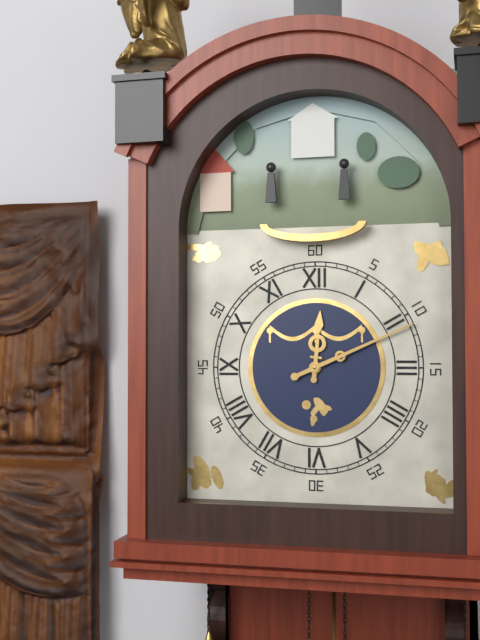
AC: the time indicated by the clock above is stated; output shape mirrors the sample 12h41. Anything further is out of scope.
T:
12h11
